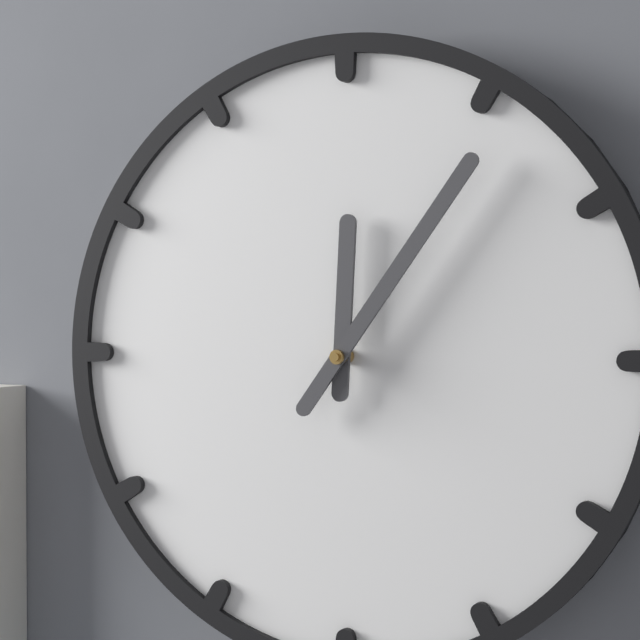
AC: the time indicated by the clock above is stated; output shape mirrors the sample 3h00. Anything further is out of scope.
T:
12h06
